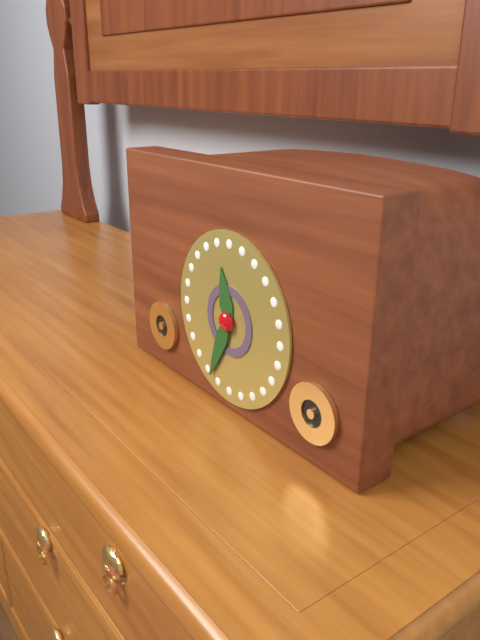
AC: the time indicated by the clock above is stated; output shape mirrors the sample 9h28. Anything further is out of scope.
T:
11h34
